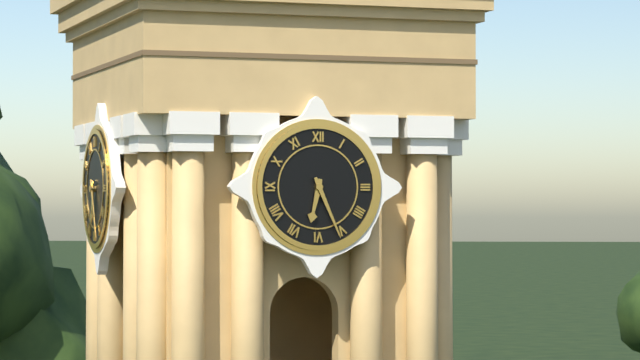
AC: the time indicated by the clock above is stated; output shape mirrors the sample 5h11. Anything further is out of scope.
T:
6h26
